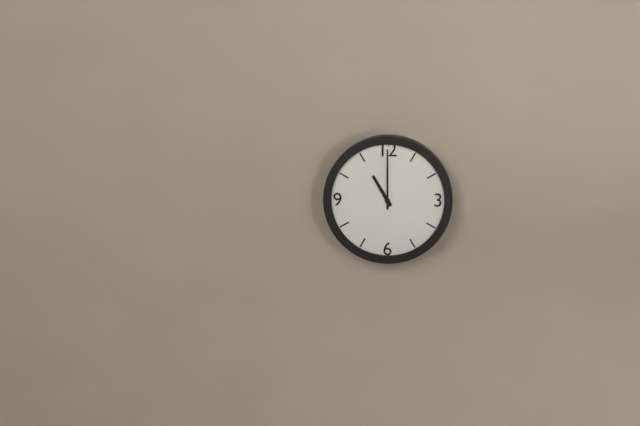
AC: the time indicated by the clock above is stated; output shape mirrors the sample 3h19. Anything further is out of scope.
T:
11h00
